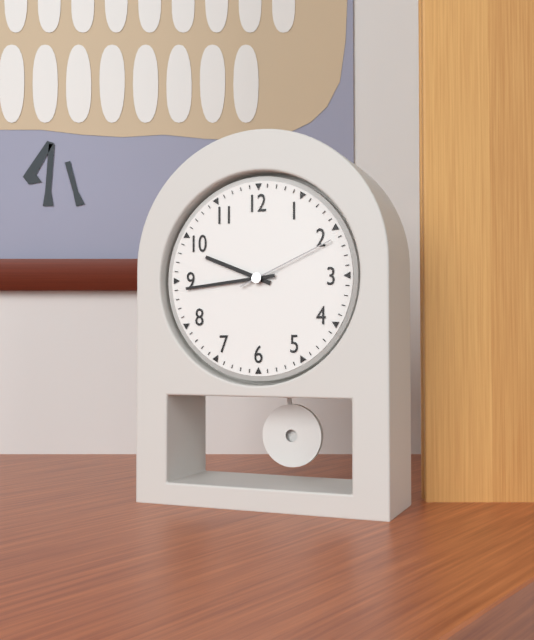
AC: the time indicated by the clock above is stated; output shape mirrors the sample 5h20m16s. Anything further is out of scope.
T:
9h44m11s
